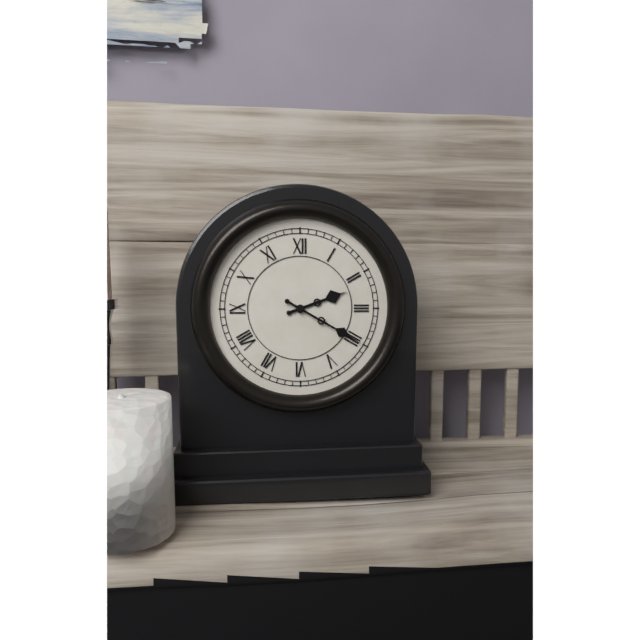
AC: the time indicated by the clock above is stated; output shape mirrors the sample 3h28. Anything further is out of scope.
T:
2h20
